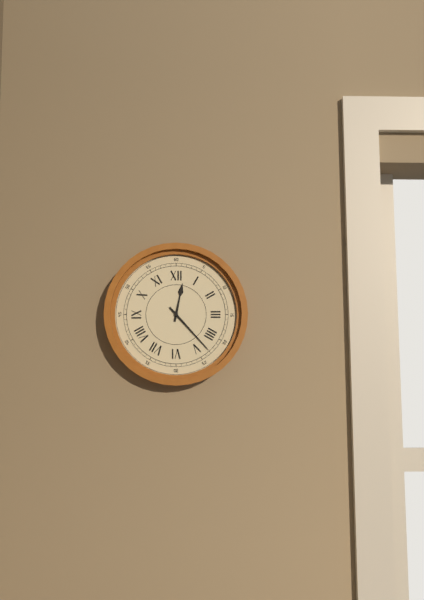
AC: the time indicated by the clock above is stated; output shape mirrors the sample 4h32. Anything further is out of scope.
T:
12h23
